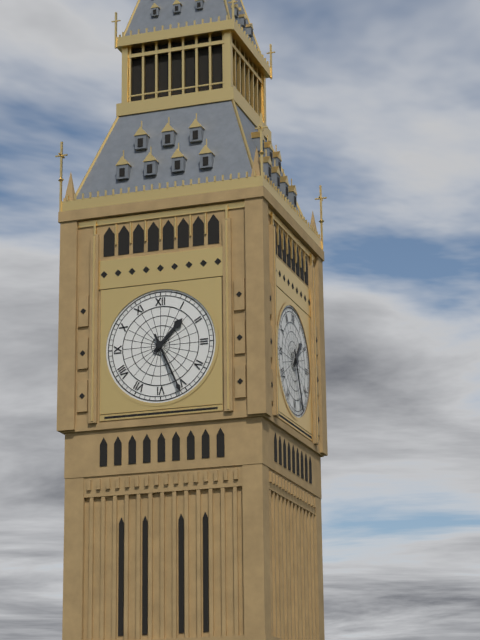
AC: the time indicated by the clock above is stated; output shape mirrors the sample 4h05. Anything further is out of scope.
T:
1h26
